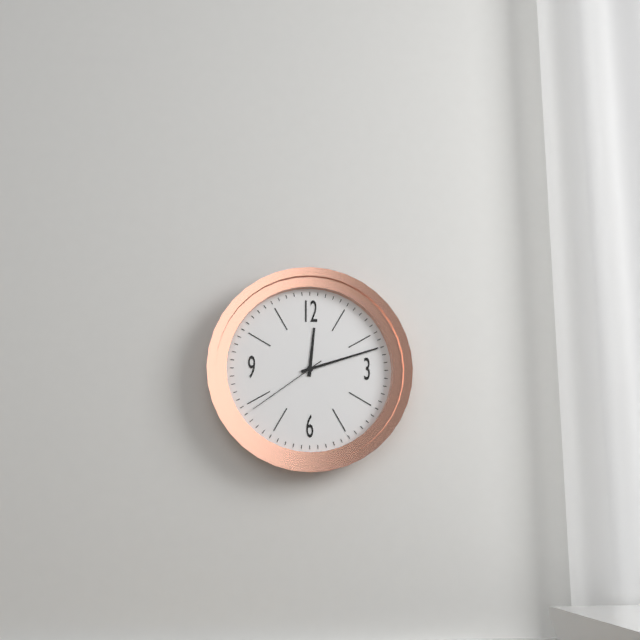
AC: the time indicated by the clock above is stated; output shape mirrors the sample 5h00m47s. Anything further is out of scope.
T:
12h12m39s
